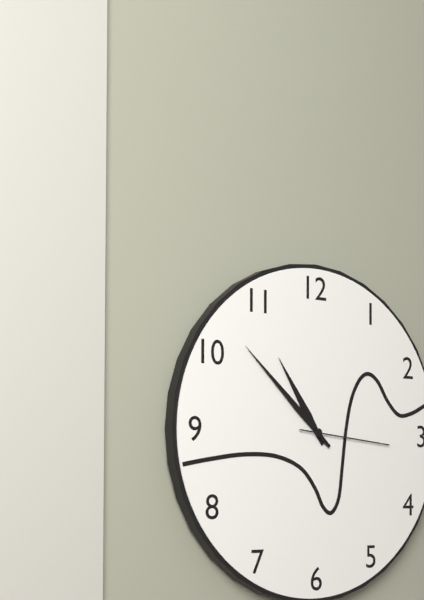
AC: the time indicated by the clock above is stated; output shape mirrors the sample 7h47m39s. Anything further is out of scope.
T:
10h52m16s
